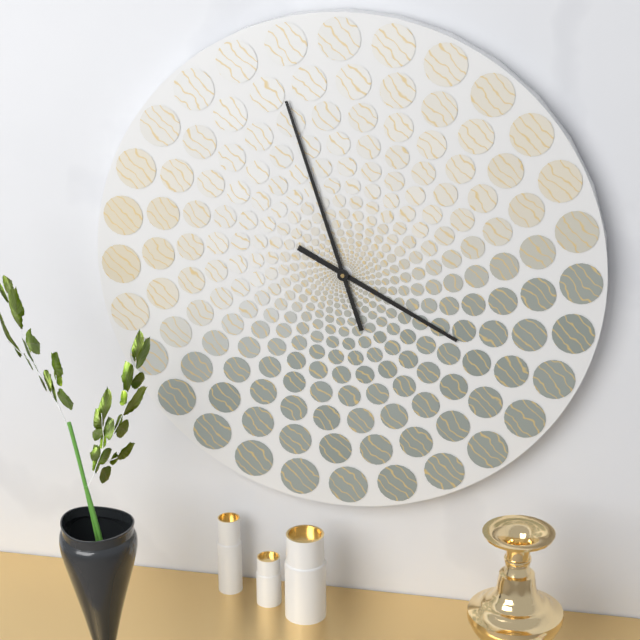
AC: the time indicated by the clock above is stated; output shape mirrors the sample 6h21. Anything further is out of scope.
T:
3h57
